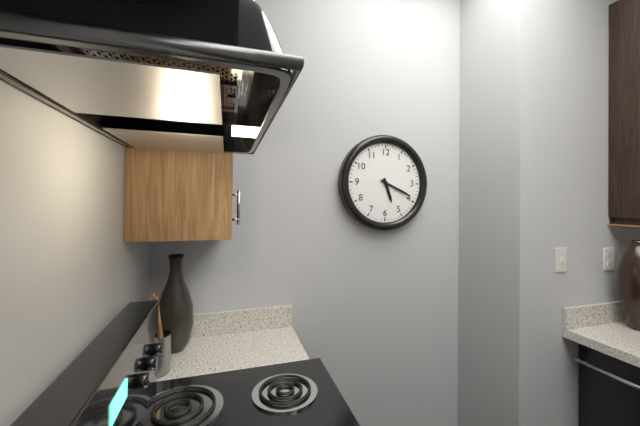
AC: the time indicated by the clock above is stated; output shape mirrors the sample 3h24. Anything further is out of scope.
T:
5h19
